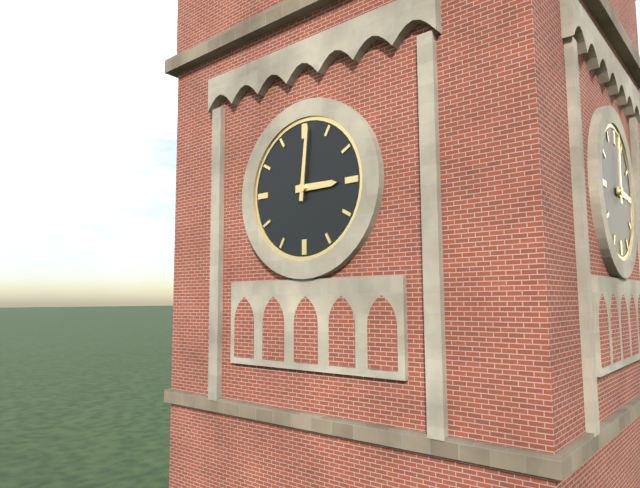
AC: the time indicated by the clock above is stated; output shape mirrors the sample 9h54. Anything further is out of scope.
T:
3h01
